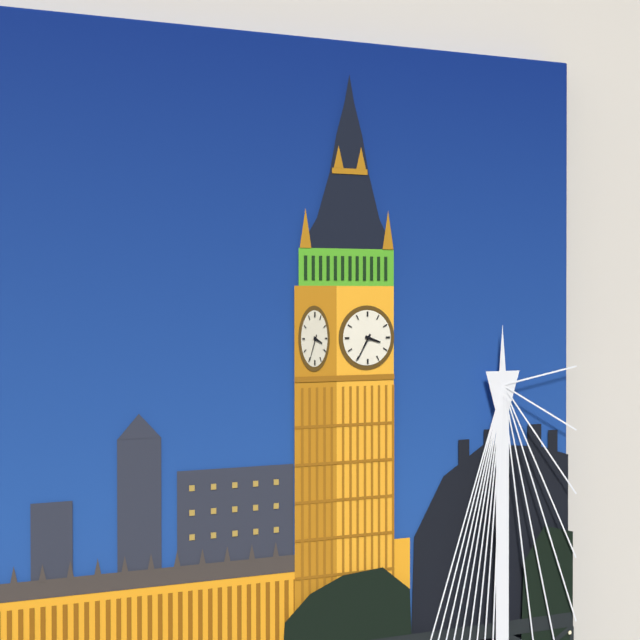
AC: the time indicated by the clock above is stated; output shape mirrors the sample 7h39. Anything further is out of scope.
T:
3h35
